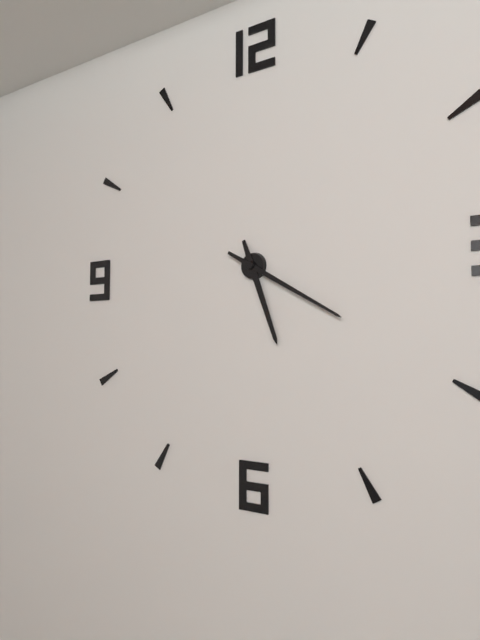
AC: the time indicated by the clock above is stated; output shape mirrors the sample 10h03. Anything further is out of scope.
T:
5h20
